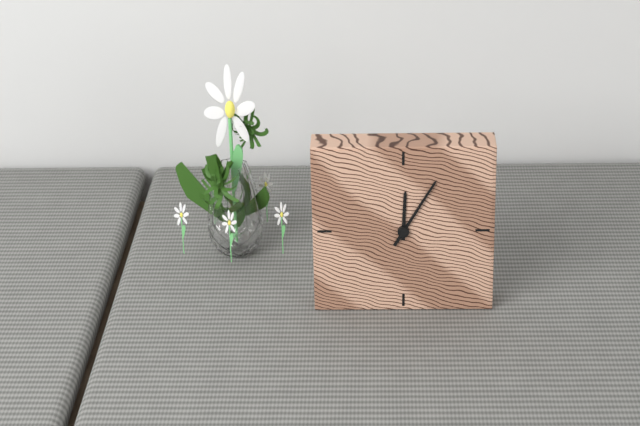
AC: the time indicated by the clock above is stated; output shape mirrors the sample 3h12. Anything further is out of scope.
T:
12h05
